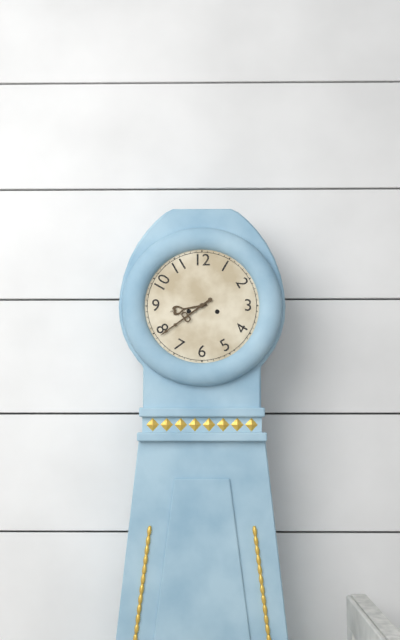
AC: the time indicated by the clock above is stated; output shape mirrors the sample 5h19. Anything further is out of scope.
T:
8h39
